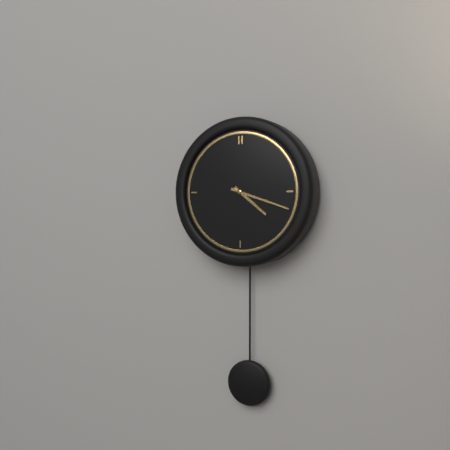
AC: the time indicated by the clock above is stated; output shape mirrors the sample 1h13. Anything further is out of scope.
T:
4h18
